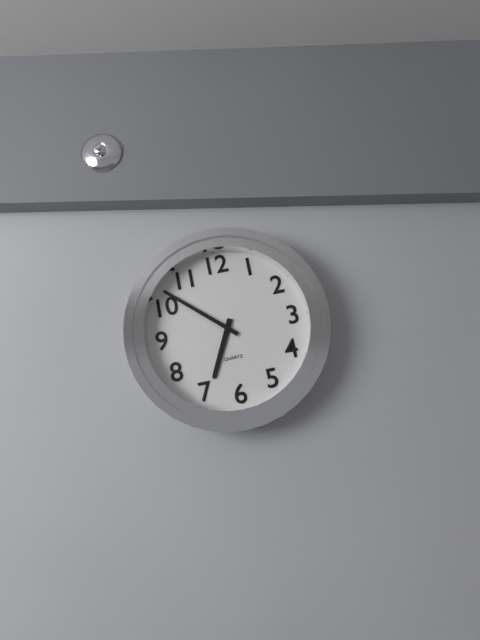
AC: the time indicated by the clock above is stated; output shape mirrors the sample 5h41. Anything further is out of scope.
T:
6h52
